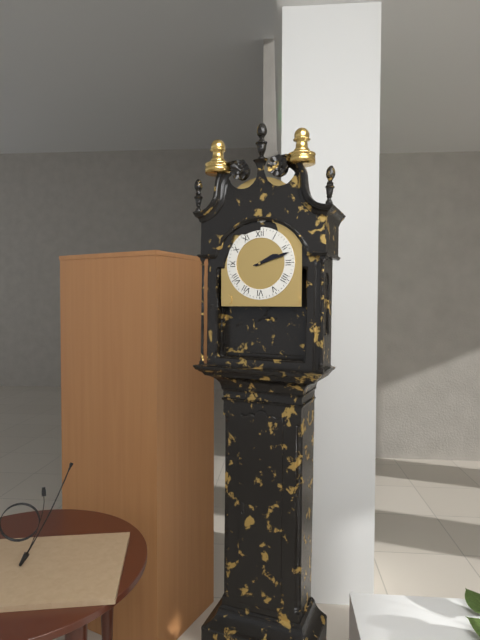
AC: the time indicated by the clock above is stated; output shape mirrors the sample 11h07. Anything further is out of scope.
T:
2h12
